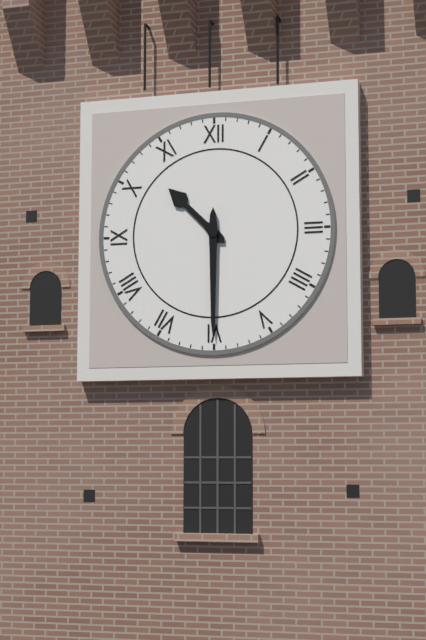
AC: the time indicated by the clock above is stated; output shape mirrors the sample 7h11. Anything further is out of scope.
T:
10h30
